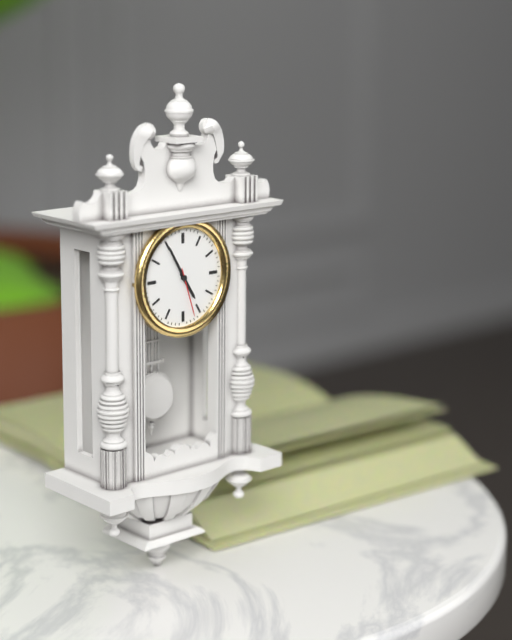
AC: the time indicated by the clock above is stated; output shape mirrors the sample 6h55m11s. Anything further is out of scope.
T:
4h55m27s
